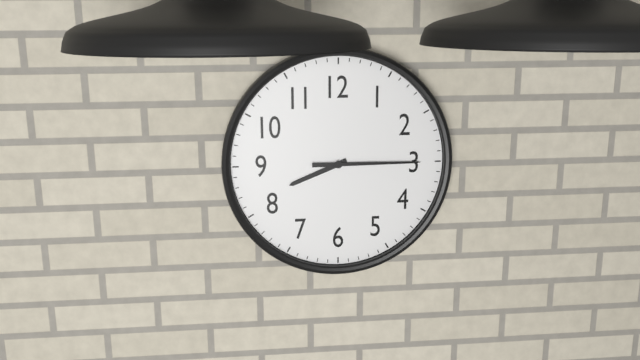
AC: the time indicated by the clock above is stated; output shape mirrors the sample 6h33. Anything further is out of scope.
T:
8h15
